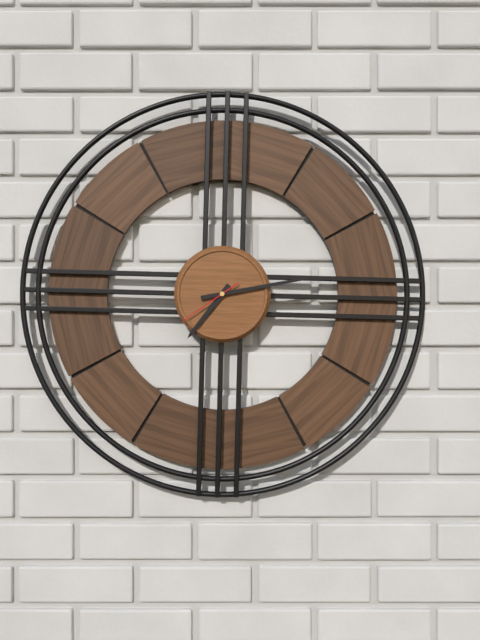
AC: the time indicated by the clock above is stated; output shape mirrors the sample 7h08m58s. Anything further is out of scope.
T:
7h13m39s
